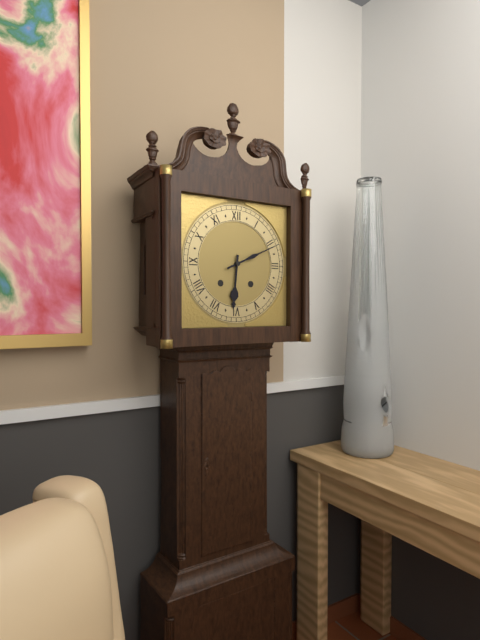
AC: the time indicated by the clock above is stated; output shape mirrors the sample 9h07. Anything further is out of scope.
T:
6h11
